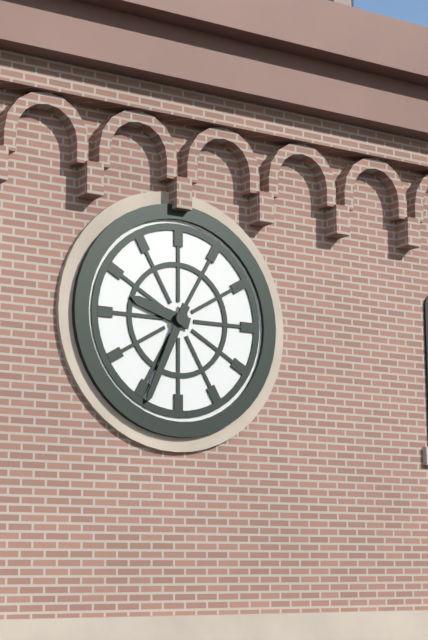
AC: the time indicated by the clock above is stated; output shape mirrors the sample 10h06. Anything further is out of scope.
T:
9h34
